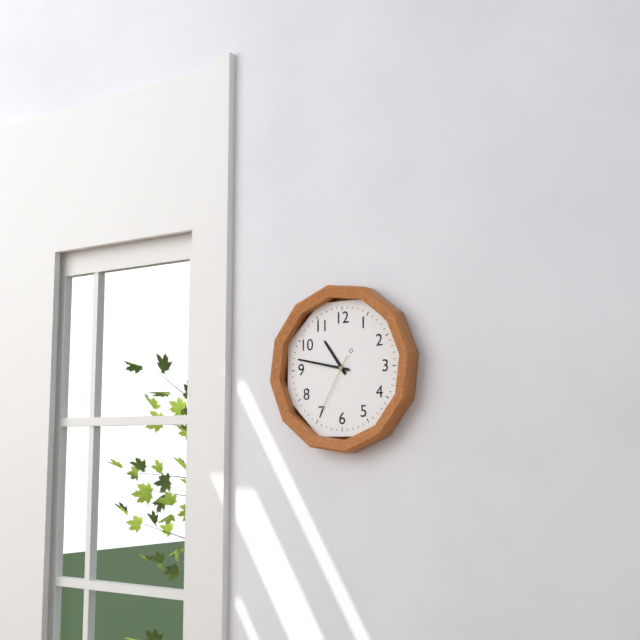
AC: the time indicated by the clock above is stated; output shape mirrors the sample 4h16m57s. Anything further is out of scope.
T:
10h47m35s
